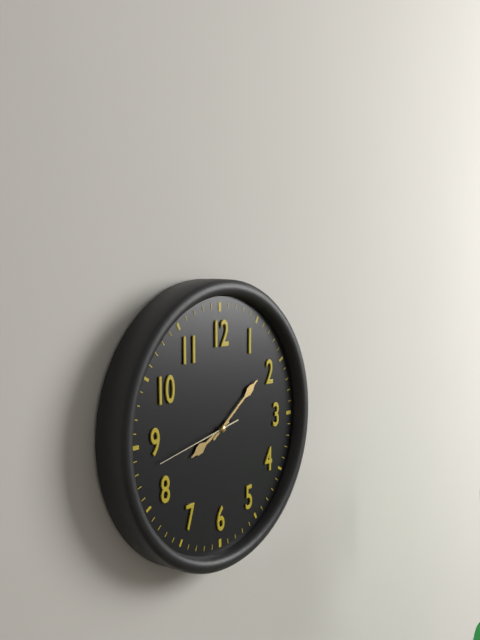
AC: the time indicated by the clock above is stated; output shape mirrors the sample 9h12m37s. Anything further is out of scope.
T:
8h09m43s
